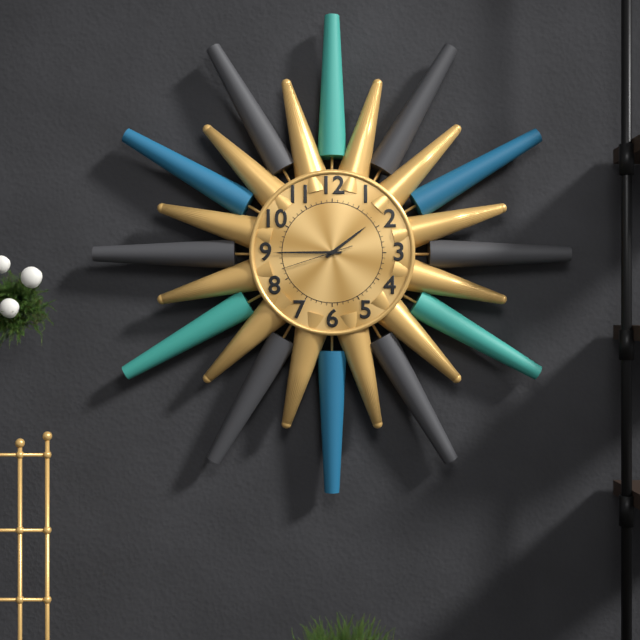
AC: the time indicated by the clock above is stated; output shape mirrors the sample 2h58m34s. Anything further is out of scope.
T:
1h45m42s
